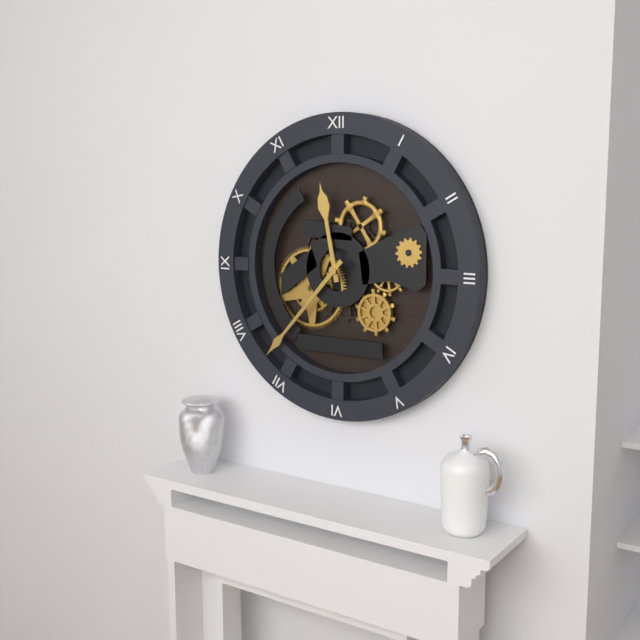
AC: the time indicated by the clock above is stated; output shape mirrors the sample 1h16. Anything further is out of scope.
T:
11h37
